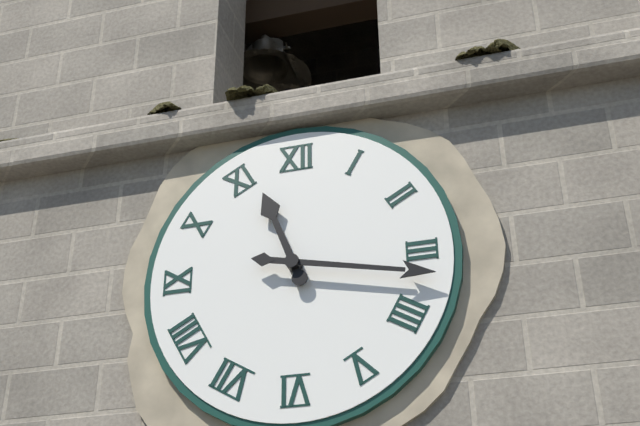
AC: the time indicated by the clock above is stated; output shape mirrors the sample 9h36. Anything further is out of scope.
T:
11h17
